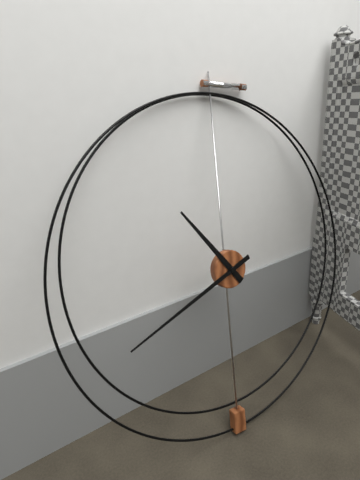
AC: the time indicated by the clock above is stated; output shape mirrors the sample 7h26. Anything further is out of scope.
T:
10h41
